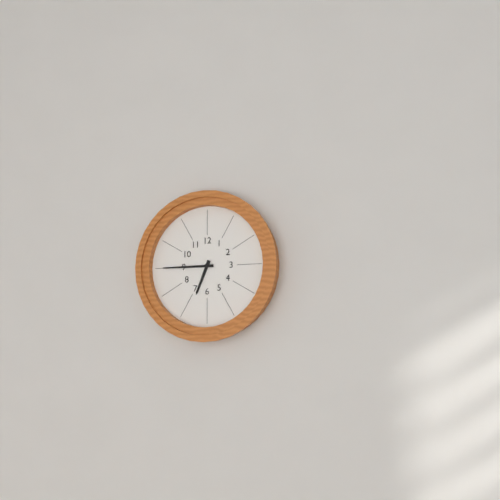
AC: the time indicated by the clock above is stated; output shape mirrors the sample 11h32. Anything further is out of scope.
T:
6h45
